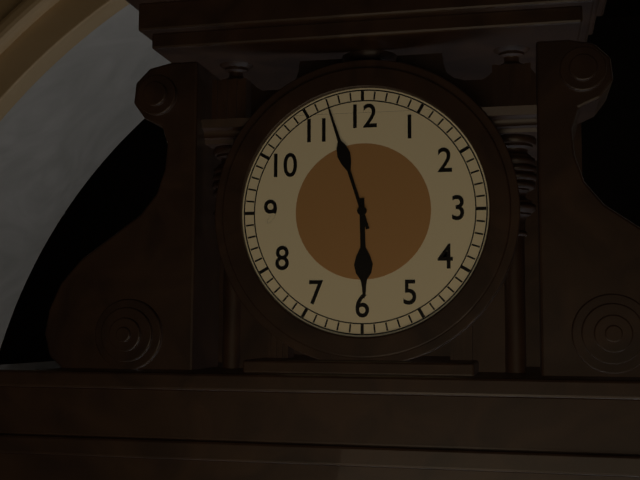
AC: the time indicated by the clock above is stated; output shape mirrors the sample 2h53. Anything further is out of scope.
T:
5h57
